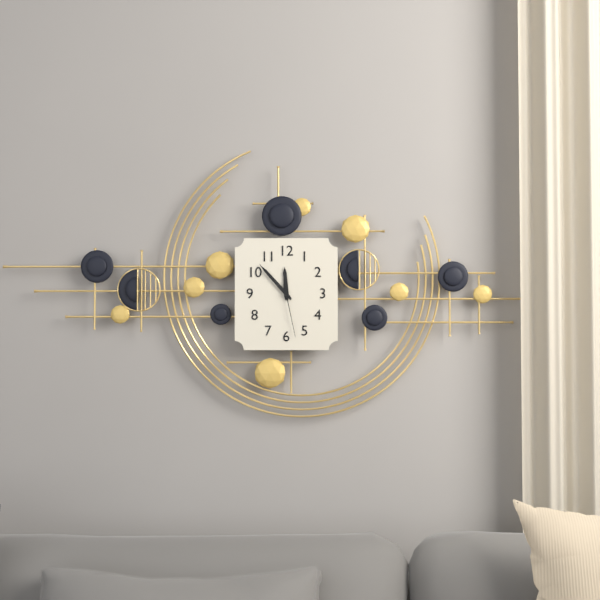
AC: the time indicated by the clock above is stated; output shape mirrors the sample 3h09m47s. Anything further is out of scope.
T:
11h53m28s
